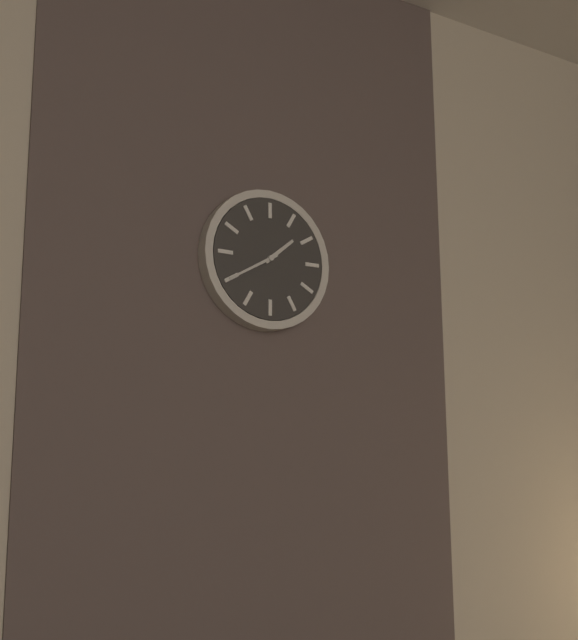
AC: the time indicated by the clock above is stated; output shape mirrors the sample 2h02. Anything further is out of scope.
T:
1h40
